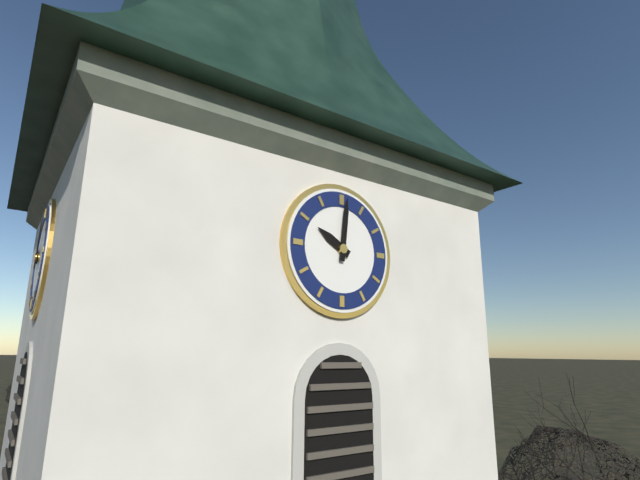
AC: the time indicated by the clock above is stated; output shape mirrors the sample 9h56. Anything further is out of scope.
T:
10h01
